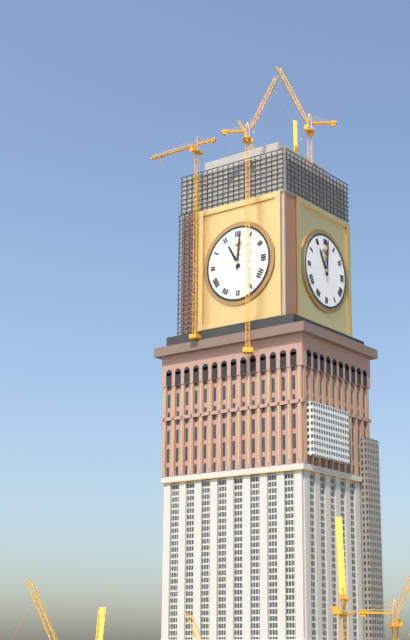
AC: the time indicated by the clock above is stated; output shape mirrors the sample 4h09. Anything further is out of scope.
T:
11h01
